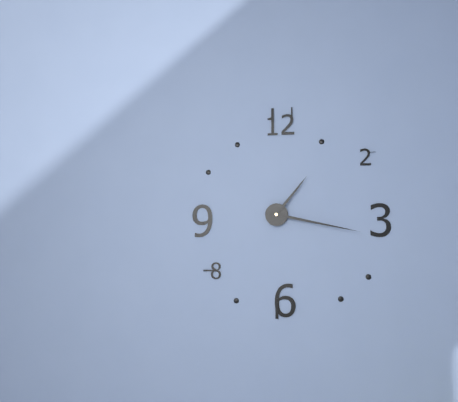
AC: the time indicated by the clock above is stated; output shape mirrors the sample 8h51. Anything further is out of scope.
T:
1h17
